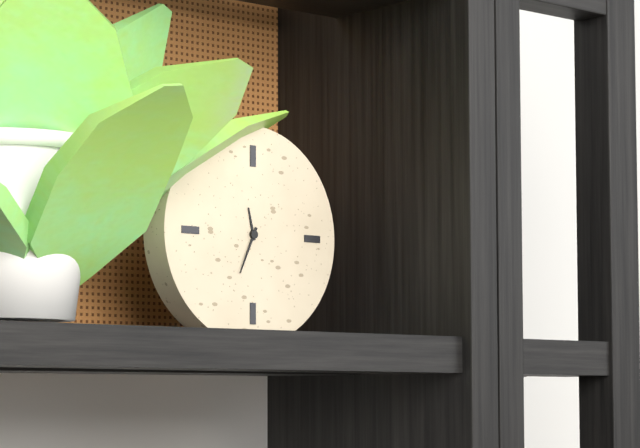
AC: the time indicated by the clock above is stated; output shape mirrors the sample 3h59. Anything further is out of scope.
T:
11h34
